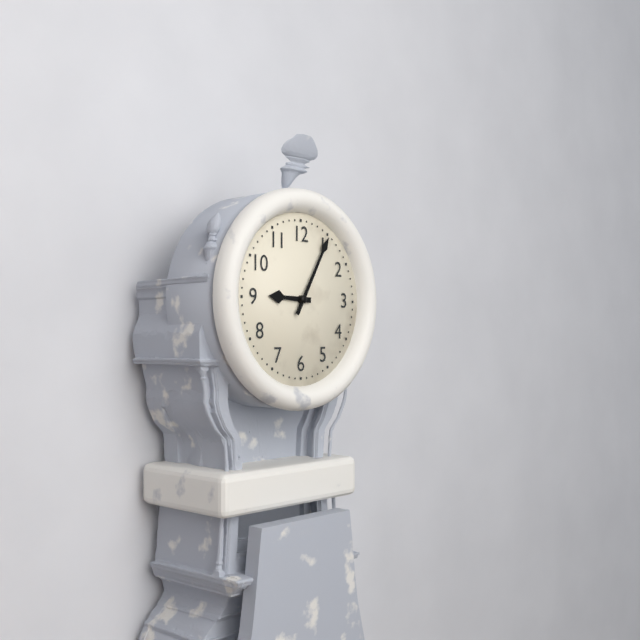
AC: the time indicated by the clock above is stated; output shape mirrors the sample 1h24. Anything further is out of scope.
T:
9h05
